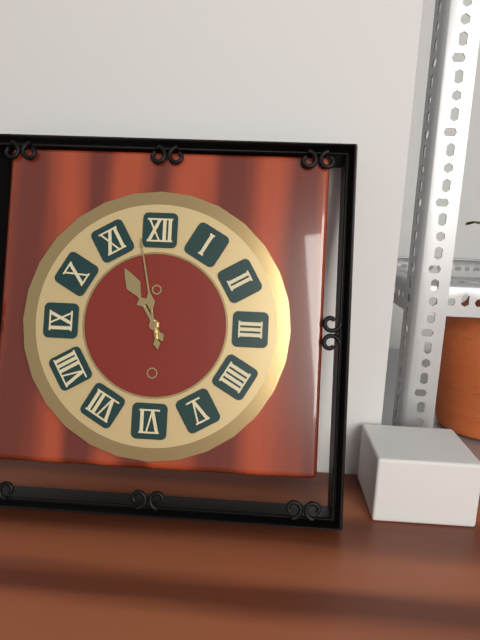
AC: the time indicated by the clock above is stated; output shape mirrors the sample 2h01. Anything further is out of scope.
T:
10h58
